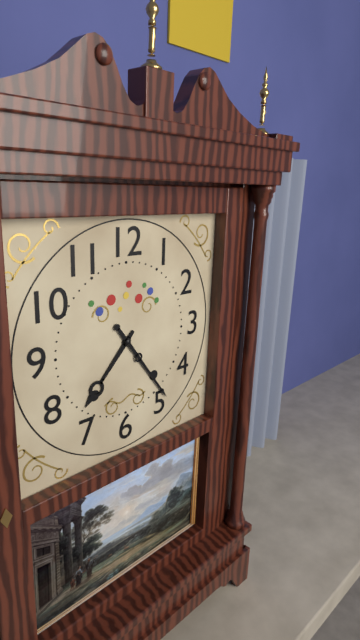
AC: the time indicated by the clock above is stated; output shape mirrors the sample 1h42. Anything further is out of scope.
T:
7h24
